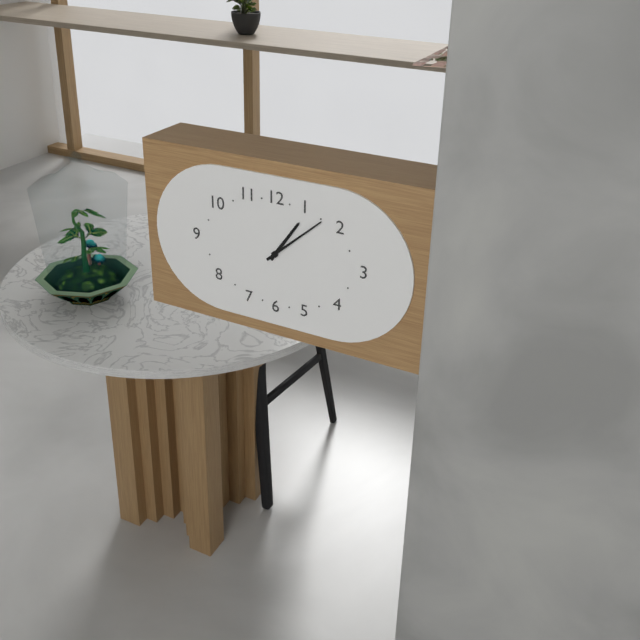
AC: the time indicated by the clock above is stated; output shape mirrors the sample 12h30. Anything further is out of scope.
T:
1h08
